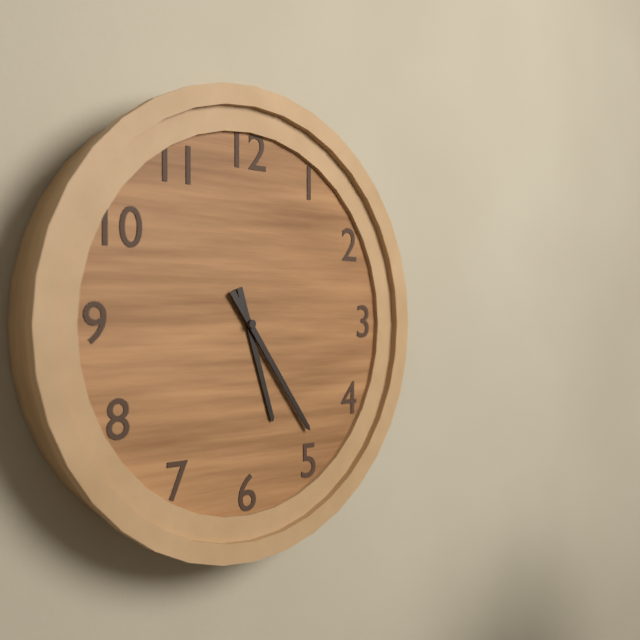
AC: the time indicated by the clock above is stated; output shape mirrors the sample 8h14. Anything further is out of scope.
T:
5h24
